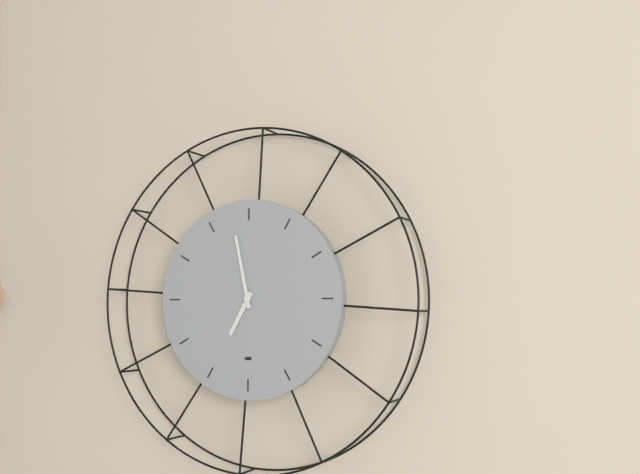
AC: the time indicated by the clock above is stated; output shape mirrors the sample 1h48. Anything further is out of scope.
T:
6h58
